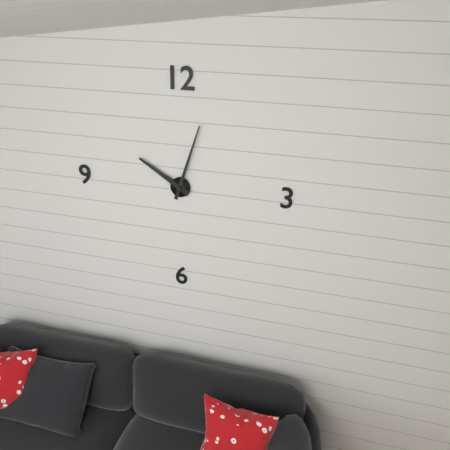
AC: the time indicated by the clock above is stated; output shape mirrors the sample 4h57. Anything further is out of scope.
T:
10h03
